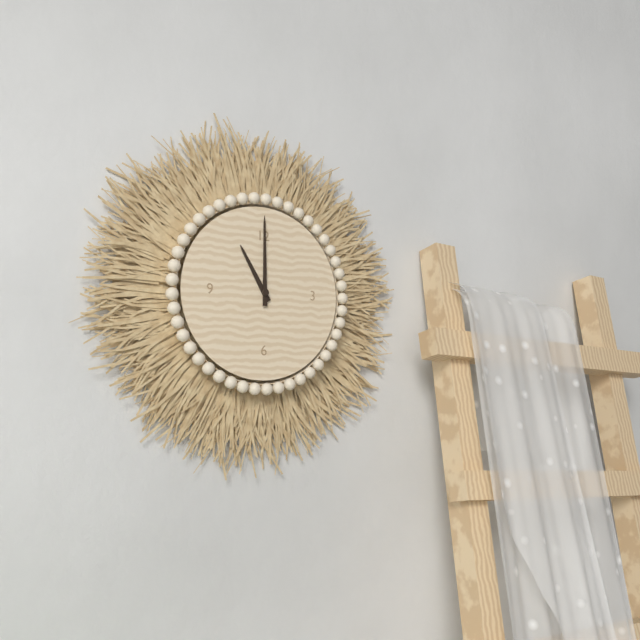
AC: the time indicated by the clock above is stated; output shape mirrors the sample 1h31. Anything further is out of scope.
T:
11h00
